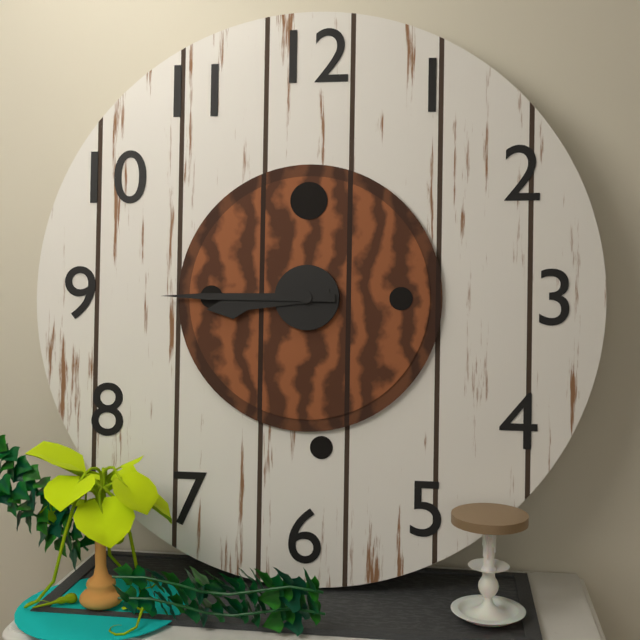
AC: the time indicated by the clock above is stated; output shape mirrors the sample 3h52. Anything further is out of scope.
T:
8h45
